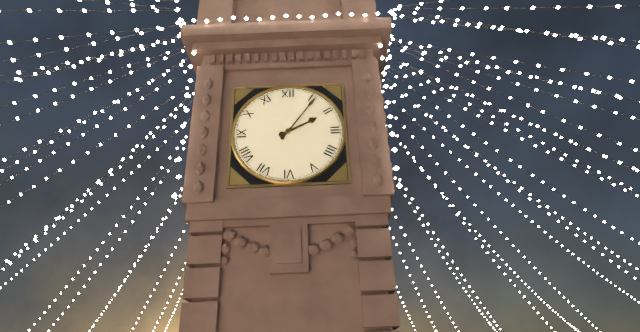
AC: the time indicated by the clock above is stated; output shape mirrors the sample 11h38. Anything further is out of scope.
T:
2h06
